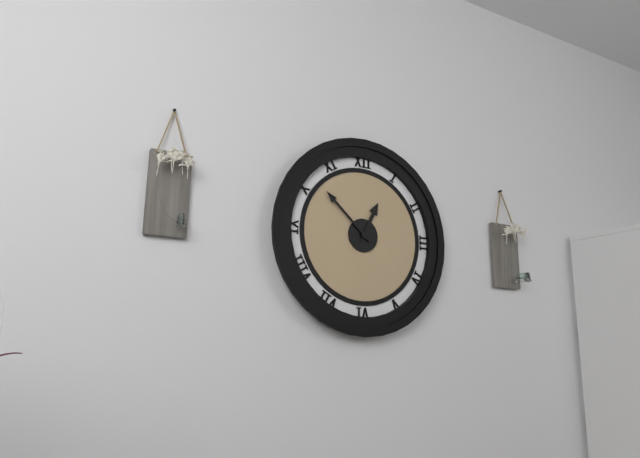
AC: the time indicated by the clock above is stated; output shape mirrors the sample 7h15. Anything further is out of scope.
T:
12h52
